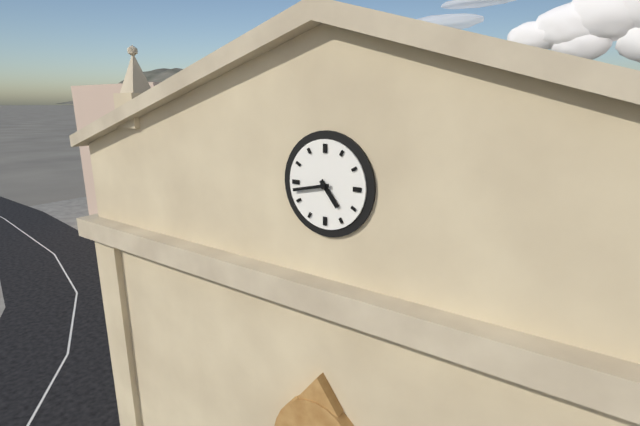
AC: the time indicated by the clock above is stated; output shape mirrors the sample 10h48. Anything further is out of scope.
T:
4h43
